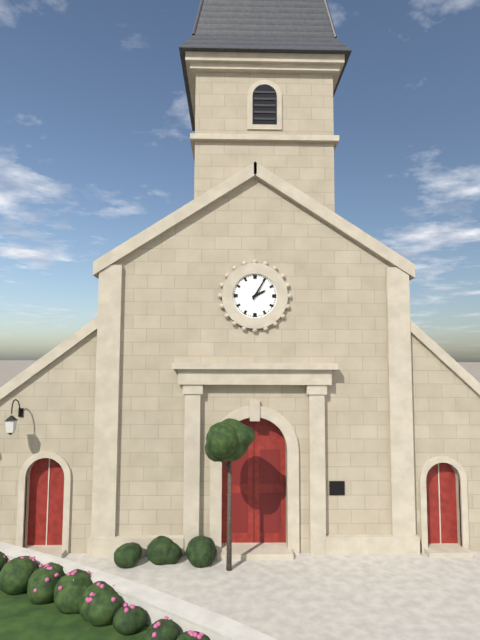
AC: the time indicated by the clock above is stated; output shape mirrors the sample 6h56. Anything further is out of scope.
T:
2h05
